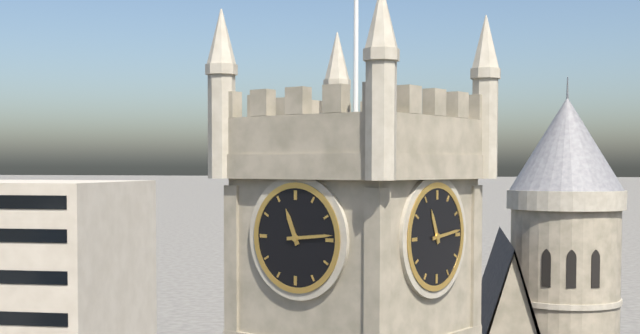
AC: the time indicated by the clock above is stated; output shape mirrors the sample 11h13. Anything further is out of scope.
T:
11h14
